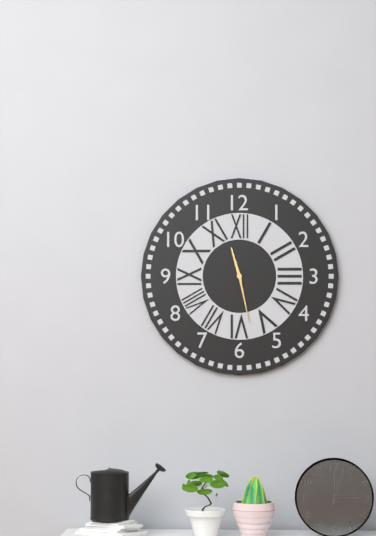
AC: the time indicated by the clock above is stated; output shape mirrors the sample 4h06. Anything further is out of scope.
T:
11h28
